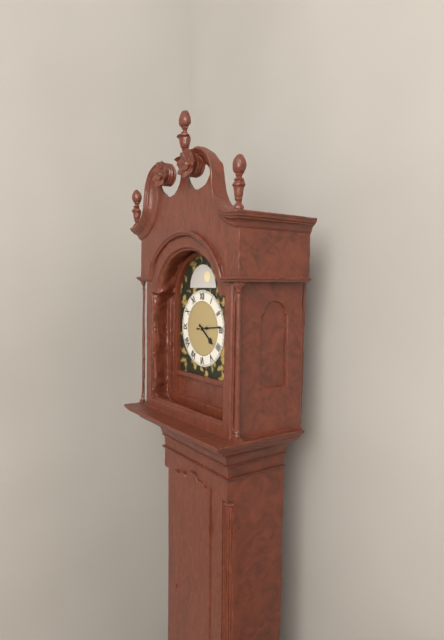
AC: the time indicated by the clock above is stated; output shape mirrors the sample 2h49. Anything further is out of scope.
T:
4h14
